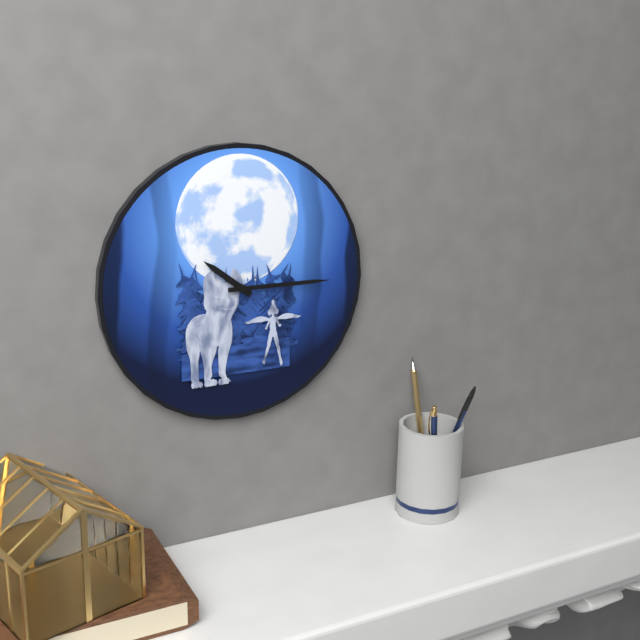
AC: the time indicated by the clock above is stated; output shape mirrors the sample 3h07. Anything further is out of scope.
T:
10h15
